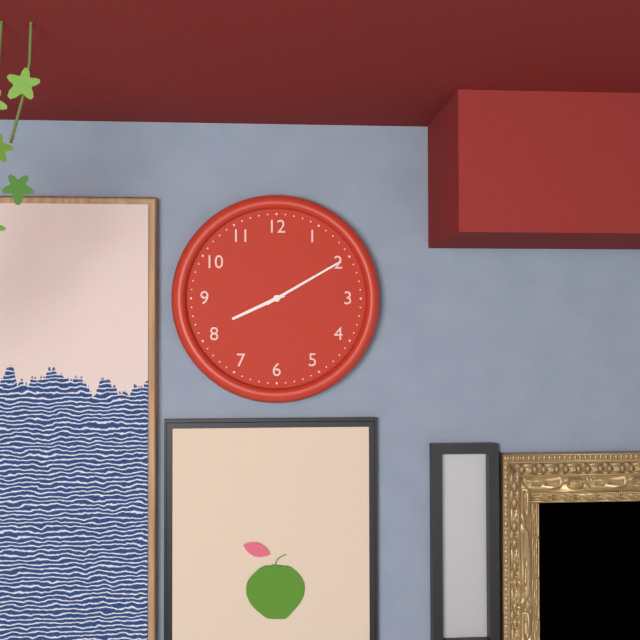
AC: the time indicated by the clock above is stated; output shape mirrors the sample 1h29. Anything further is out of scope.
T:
8h10
